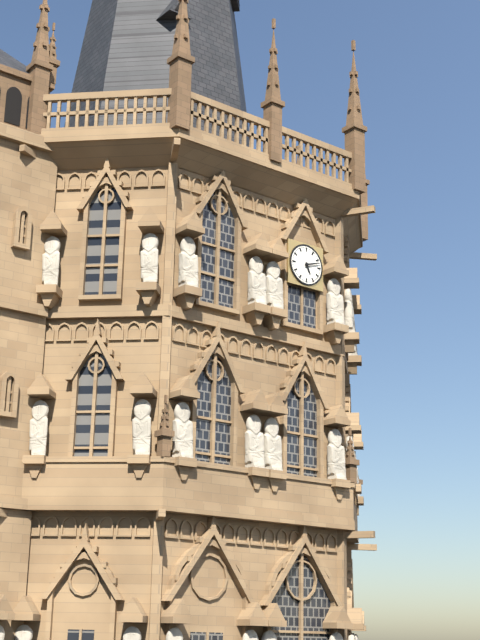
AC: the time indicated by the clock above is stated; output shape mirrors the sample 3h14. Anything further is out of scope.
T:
5h12
